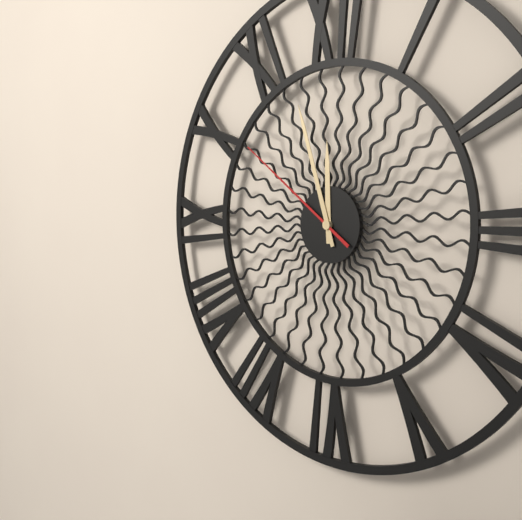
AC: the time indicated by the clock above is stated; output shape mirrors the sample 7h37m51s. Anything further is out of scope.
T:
11h57m51s
